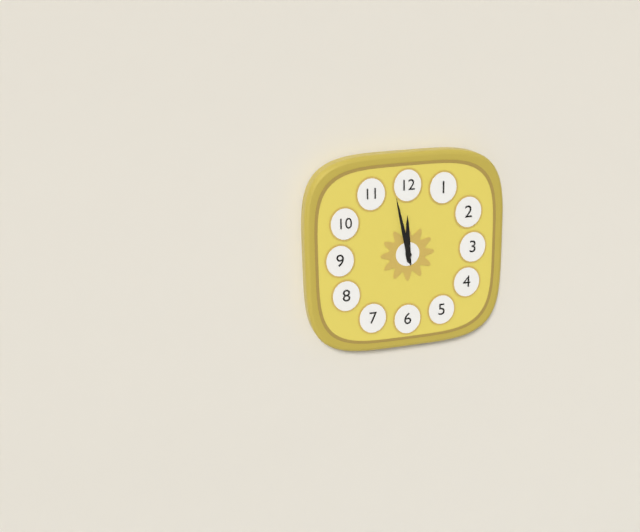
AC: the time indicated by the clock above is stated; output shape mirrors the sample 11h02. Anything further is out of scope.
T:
11h58
